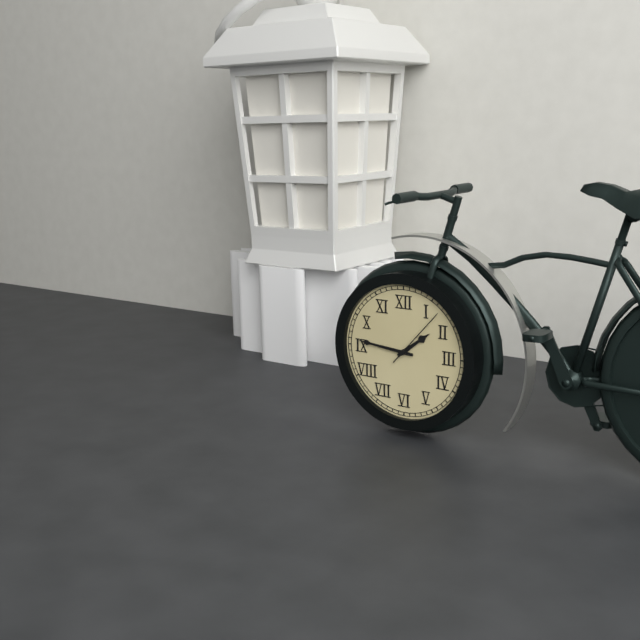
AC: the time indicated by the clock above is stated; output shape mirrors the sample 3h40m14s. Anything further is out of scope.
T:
1h46m07s
